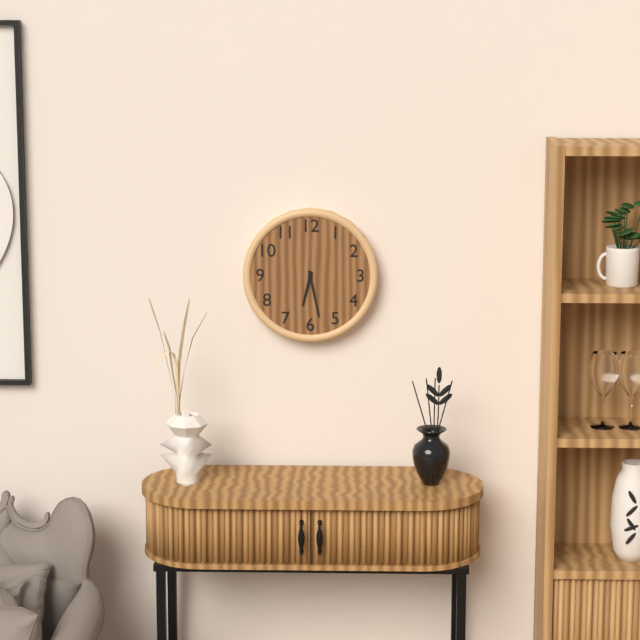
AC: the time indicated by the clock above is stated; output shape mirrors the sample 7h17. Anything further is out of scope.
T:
6h28
